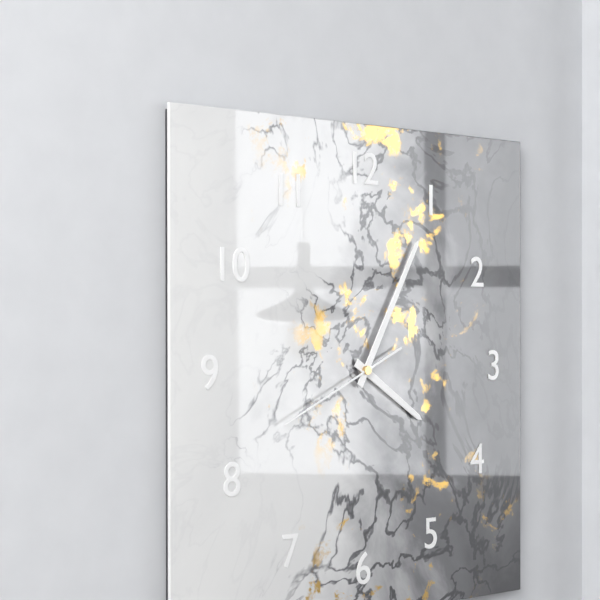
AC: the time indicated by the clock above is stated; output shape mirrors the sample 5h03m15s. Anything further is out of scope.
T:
4h05m41s
